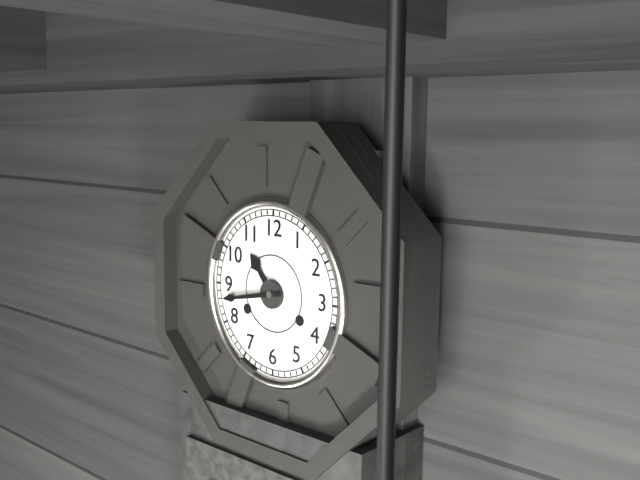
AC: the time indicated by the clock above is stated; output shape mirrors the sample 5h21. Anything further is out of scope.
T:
10h43
